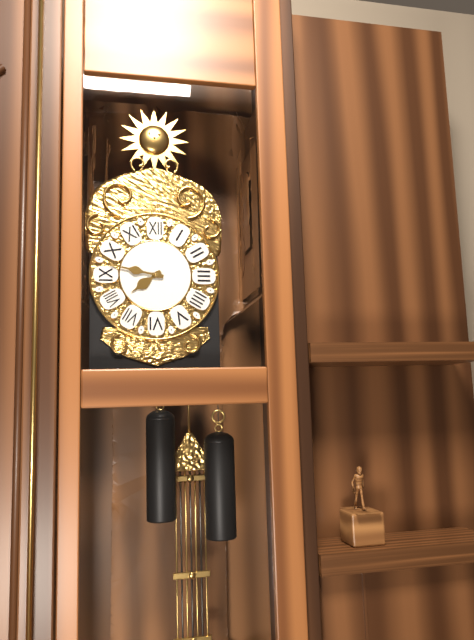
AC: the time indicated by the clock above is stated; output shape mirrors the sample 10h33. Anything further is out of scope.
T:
7h47
